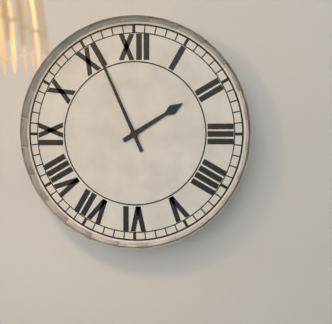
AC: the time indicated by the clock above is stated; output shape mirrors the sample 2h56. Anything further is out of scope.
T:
1h56
